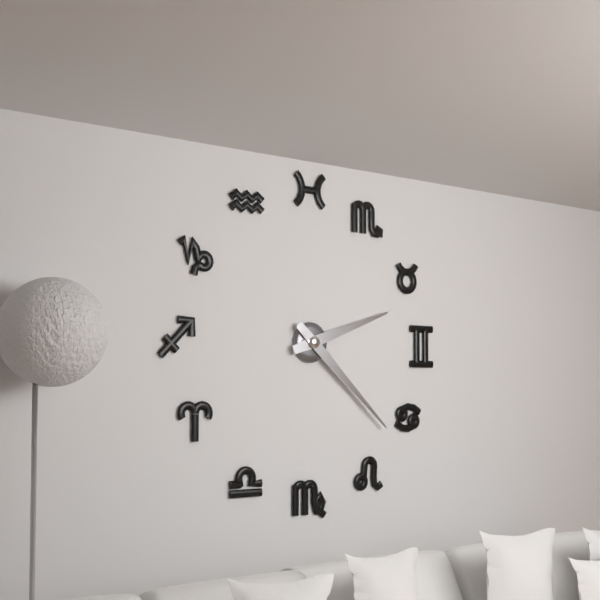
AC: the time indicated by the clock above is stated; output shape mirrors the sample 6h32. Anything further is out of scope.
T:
2h22
